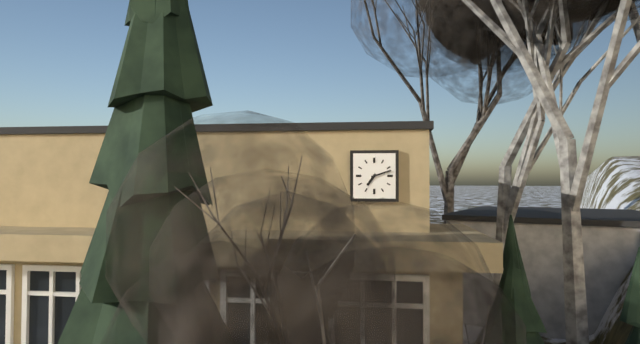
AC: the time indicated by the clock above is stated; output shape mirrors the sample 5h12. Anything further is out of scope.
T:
7h12
